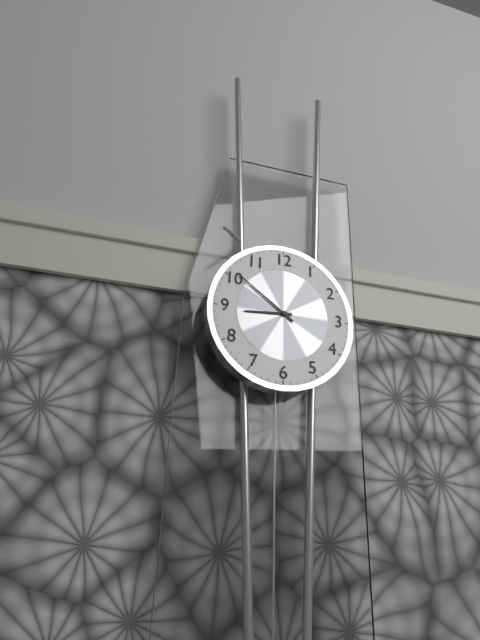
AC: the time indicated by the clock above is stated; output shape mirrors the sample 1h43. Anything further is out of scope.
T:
8h51
